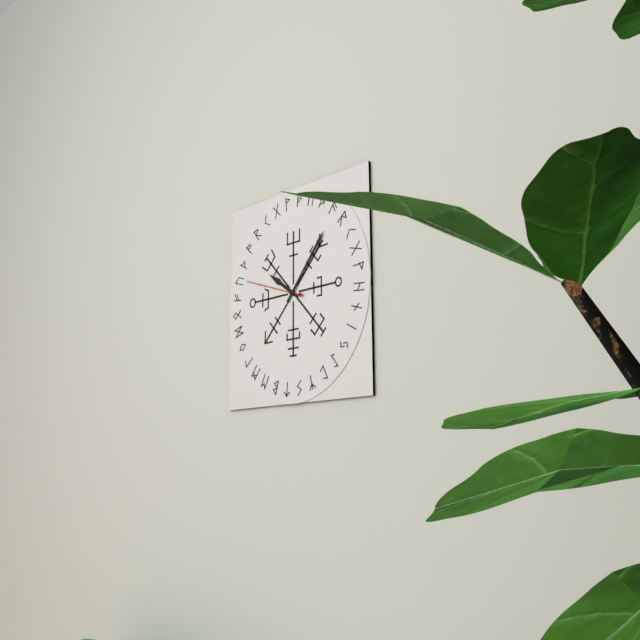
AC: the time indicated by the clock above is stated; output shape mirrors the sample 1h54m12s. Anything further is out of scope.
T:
10h07m48s
